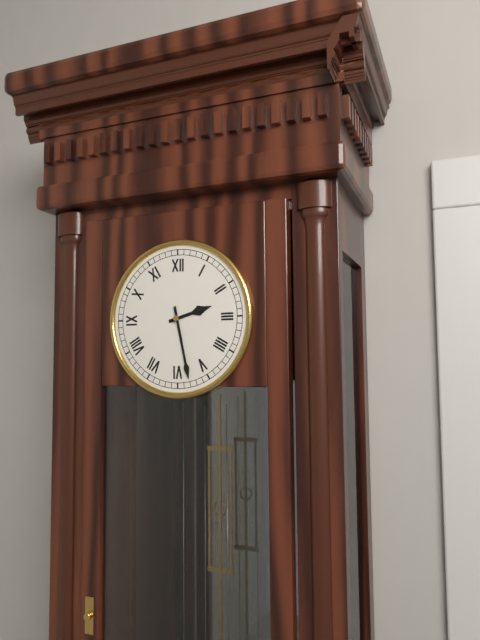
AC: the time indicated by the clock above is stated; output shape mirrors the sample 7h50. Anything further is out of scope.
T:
2h28
